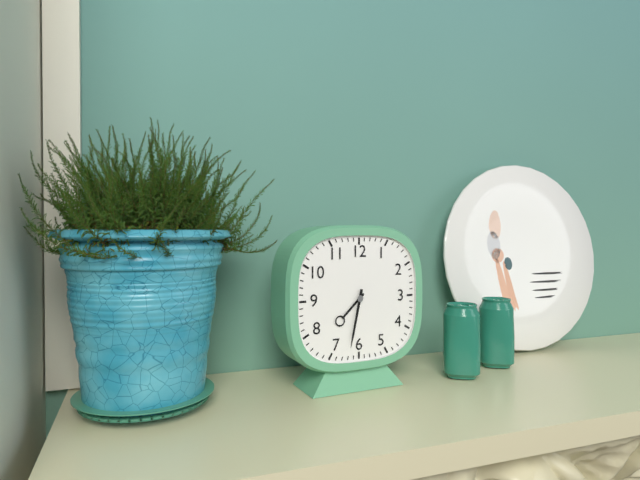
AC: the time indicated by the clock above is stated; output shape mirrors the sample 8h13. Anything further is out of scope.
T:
7h32
